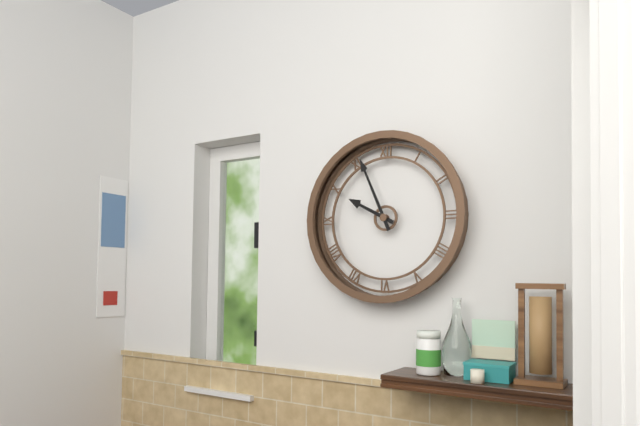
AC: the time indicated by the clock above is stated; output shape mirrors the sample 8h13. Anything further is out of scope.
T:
9h56
